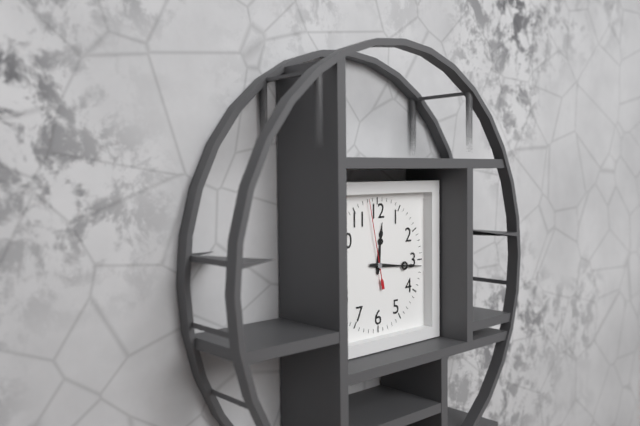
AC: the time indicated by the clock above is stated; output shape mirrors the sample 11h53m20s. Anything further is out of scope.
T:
12h16m58s
